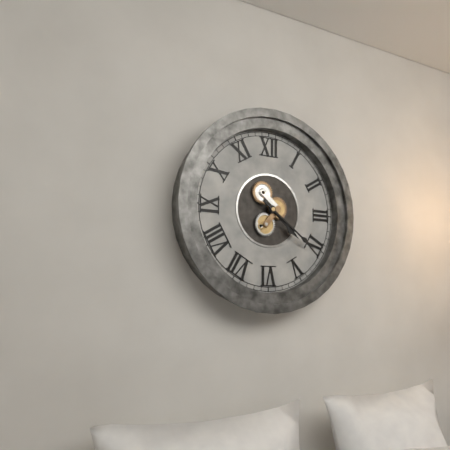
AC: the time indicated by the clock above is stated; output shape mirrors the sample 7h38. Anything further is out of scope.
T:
4h21
